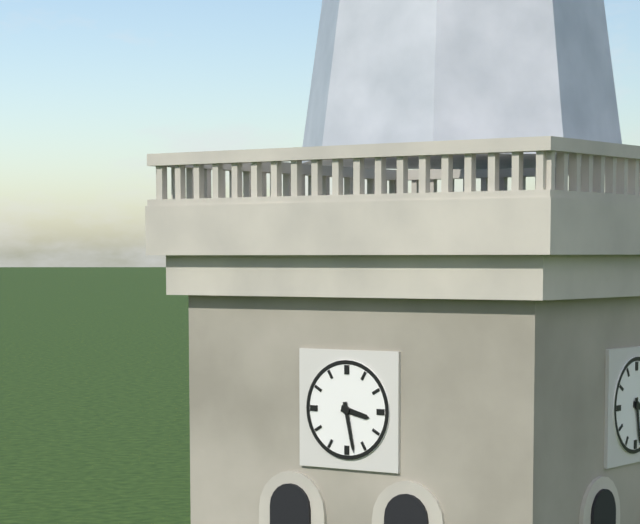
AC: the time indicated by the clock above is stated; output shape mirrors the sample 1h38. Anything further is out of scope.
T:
3h28
